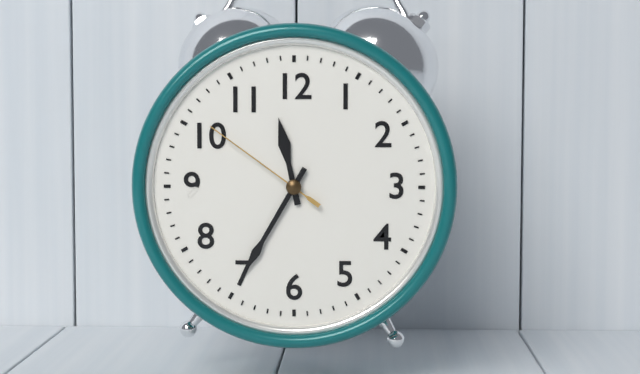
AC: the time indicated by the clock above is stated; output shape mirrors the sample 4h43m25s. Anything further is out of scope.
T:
11h35m51s
